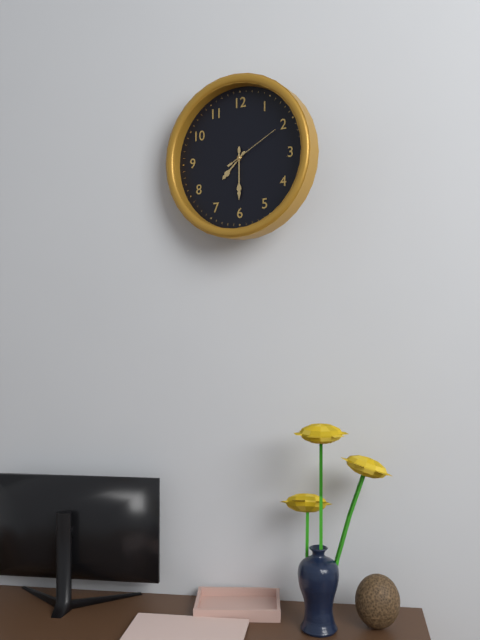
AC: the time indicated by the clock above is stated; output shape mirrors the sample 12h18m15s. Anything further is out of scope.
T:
7h30m10s
